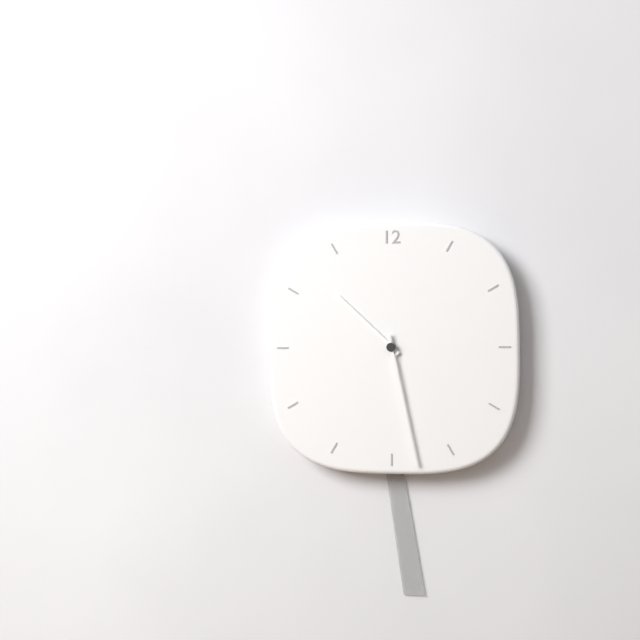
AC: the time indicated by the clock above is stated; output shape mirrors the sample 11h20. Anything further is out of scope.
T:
10h28
